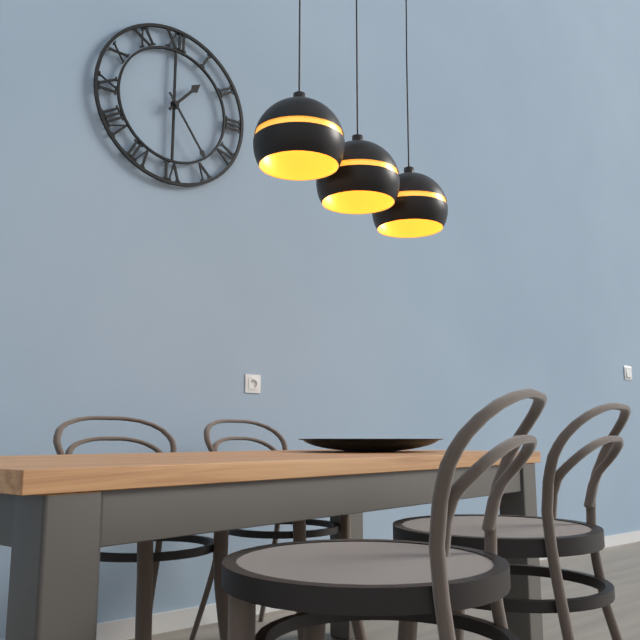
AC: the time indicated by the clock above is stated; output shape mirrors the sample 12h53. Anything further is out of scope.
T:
1h24
